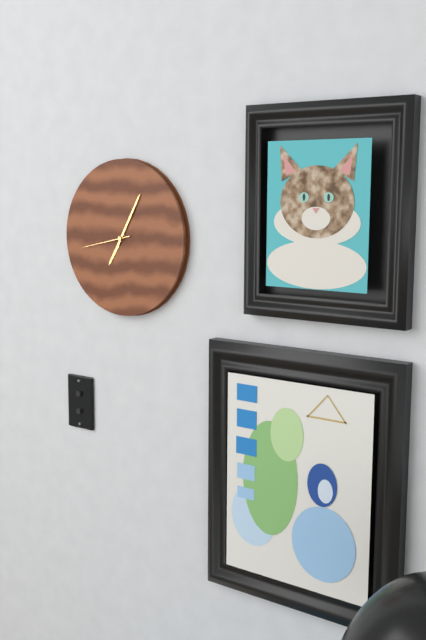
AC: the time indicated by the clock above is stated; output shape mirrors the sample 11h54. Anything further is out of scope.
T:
7h05
